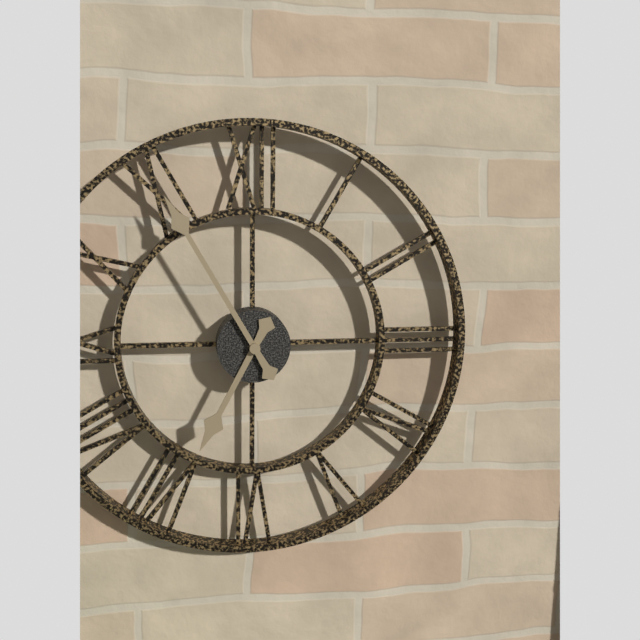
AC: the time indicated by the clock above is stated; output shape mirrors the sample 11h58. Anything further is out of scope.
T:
6h55
